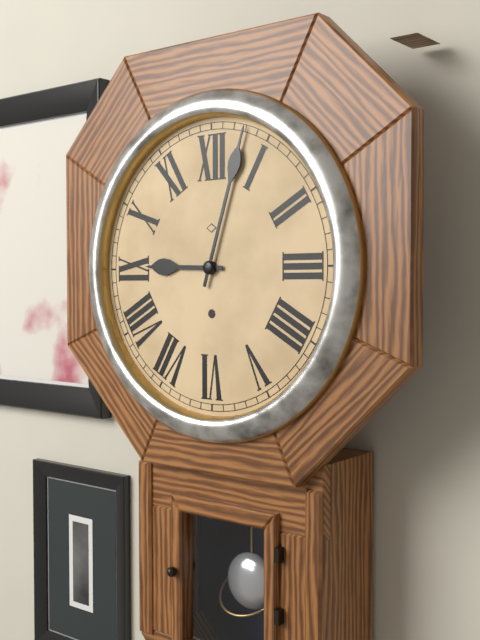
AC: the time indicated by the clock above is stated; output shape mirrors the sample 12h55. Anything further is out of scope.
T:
9h03
